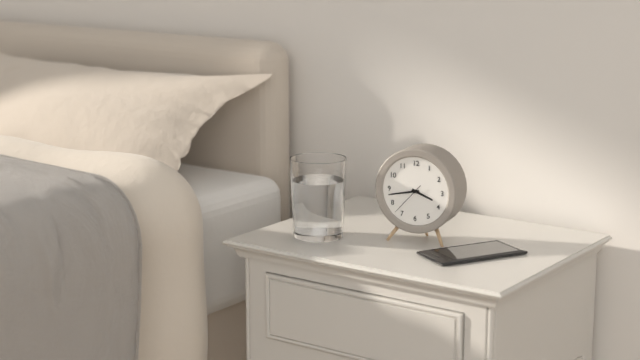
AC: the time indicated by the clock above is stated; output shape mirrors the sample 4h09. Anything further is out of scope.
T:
3h43
